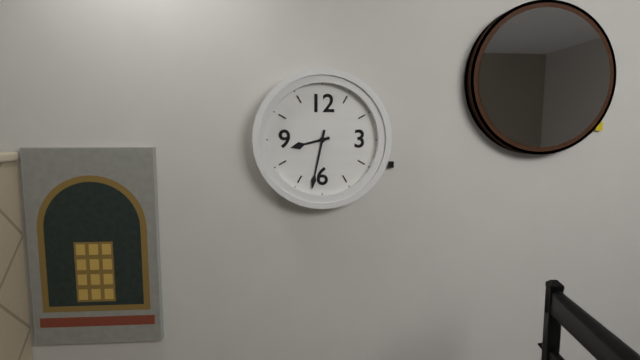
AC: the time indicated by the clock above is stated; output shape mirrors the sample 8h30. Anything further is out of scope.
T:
8h32
